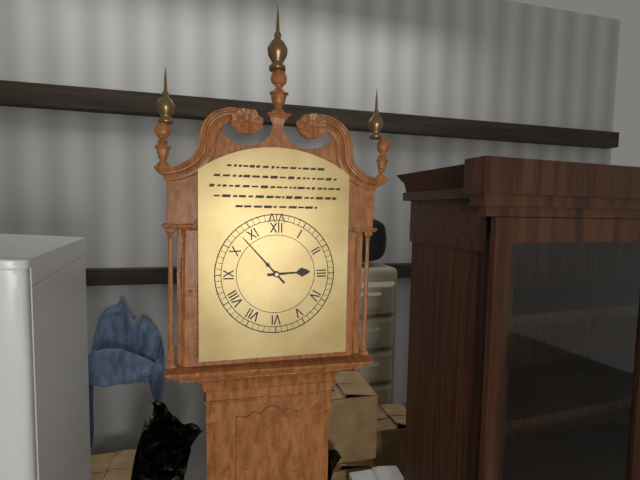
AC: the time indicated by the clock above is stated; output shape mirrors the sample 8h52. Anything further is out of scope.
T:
2h53
